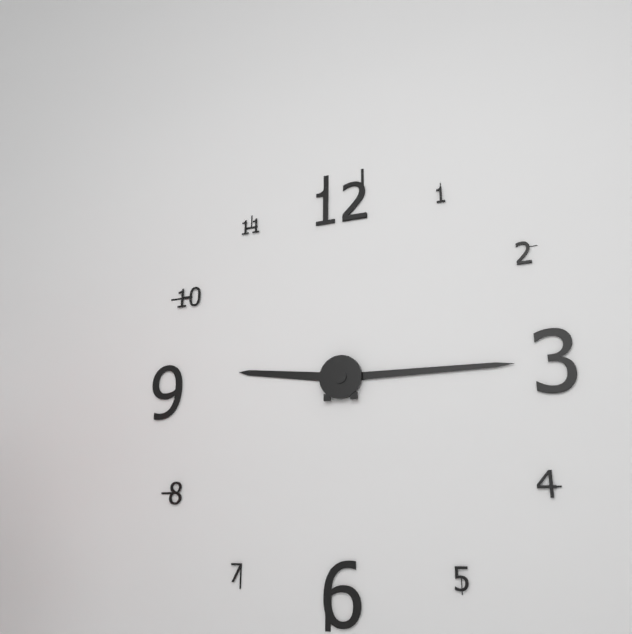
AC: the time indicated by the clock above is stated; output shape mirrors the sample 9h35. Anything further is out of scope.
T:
9h15
